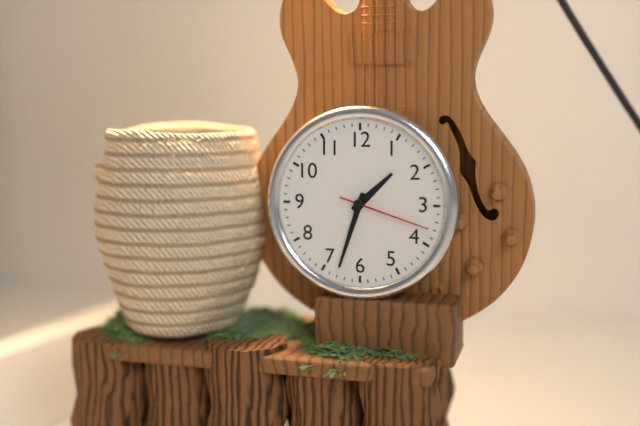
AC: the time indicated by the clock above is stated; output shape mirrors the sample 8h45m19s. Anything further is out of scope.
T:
1h33m18s
